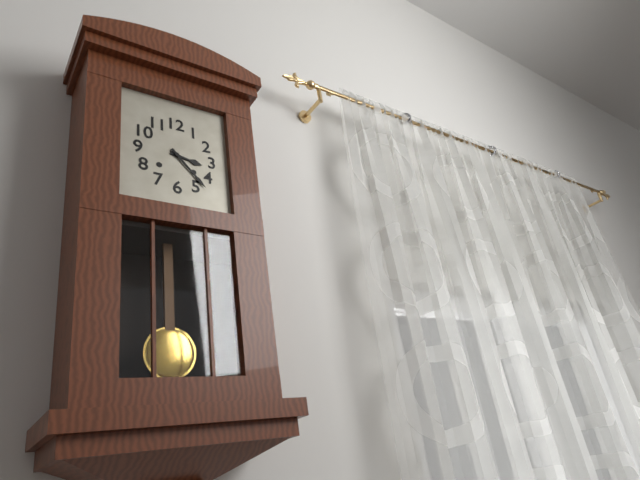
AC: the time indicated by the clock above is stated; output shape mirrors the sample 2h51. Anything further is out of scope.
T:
3h23
